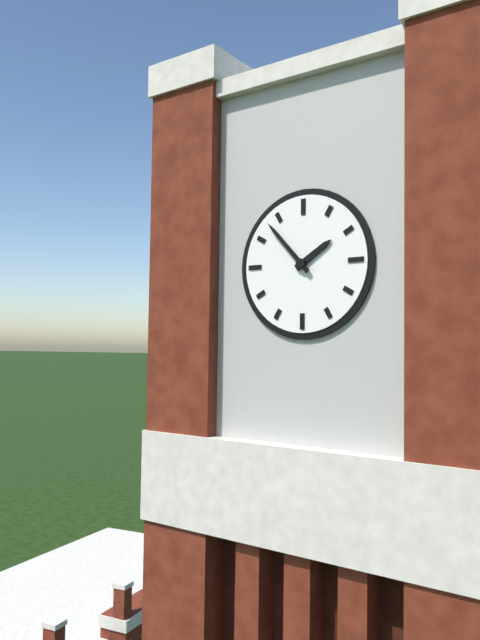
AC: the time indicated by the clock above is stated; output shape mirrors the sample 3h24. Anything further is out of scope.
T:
1h53
